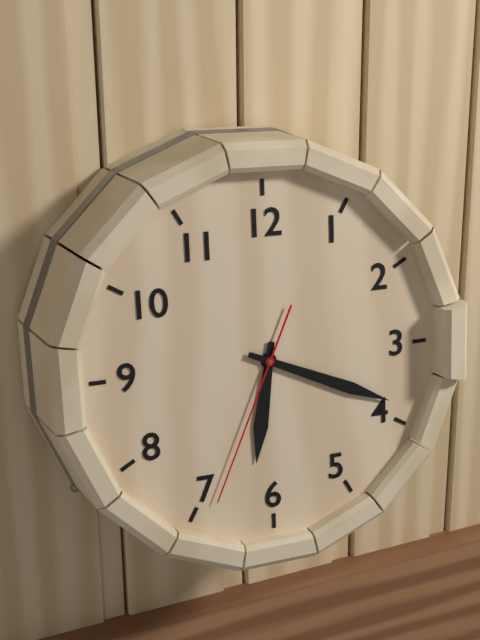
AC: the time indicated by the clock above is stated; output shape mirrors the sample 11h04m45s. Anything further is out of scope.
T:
6h19m34s
